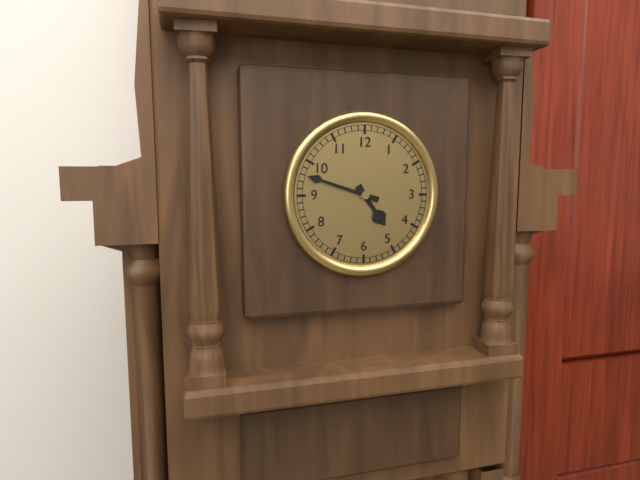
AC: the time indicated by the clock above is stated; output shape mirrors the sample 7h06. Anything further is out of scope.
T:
4h48
